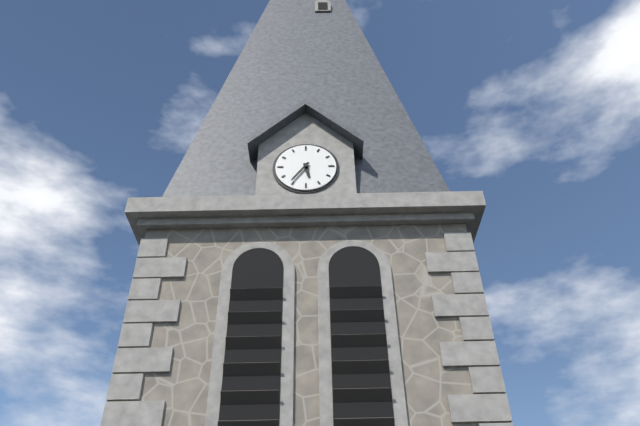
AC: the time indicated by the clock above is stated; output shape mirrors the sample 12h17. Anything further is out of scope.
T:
5h36
